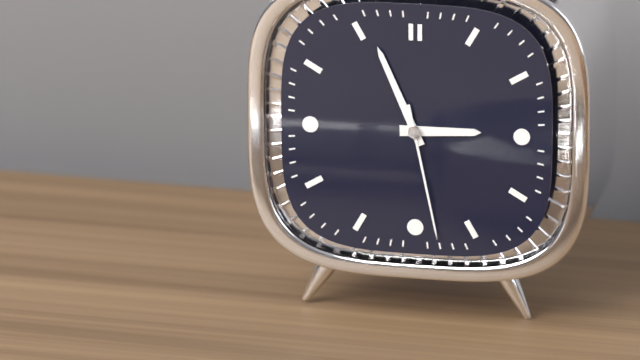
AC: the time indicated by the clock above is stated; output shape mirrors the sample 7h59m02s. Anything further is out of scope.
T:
2h56m28s
